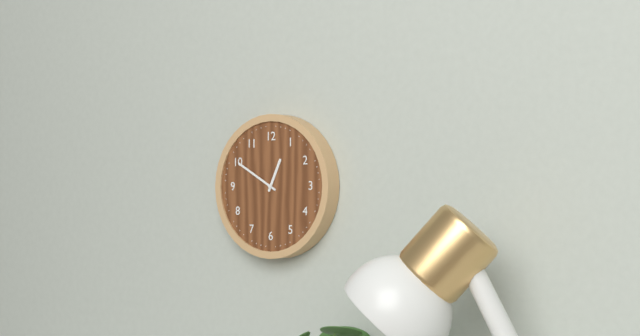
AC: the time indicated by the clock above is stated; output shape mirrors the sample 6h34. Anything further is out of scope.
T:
12h50
